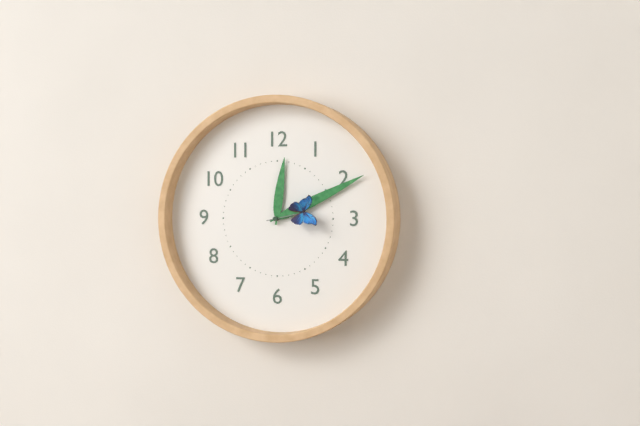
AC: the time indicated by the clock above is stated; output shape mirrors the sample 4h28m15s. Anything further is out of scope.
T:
12h11m13s
